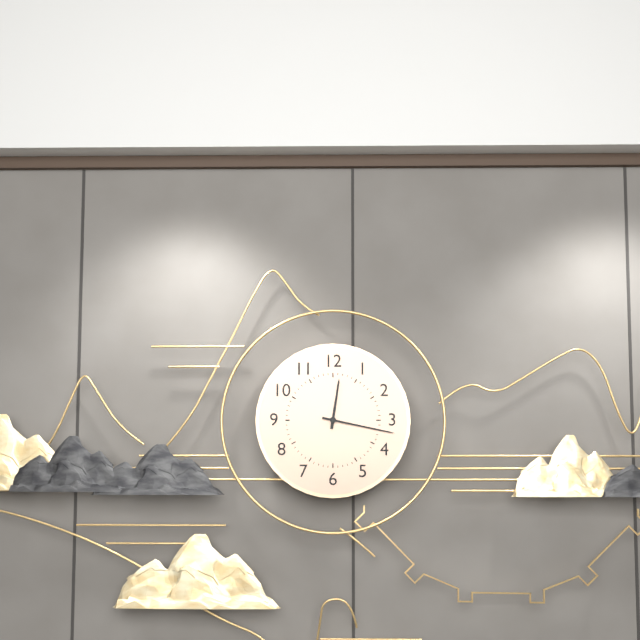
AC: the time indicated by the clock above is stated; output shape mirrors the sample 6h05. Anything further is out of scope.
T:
12h17
